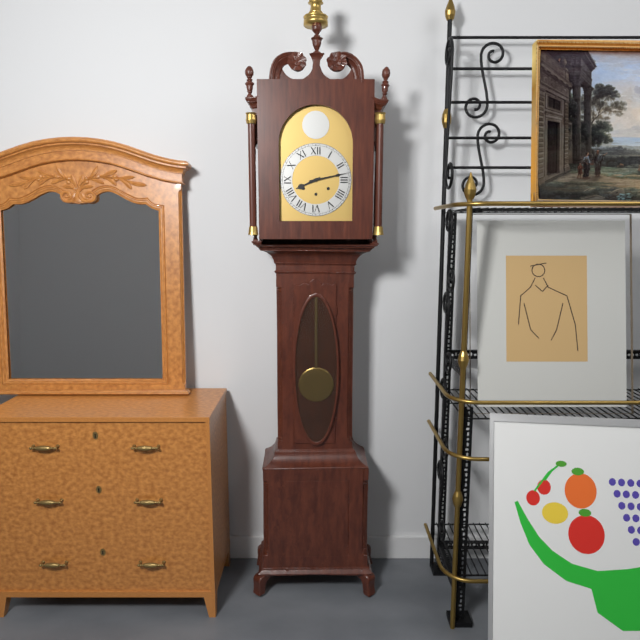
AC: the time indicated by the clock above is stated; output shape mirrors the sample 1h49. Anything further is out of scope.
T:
8h13
